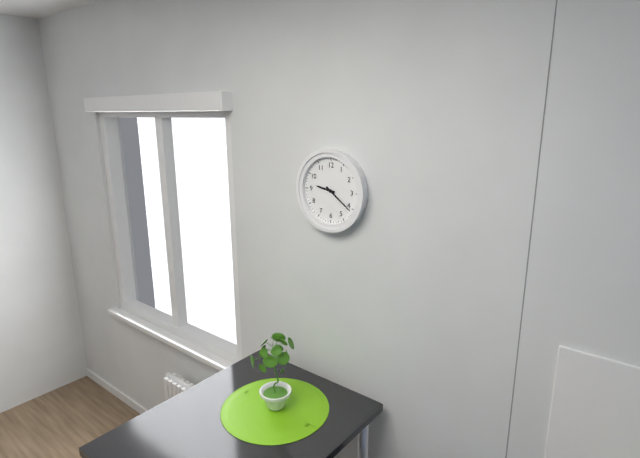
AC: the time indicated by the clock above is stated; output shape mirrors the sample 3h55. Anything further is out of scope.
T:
9h21
